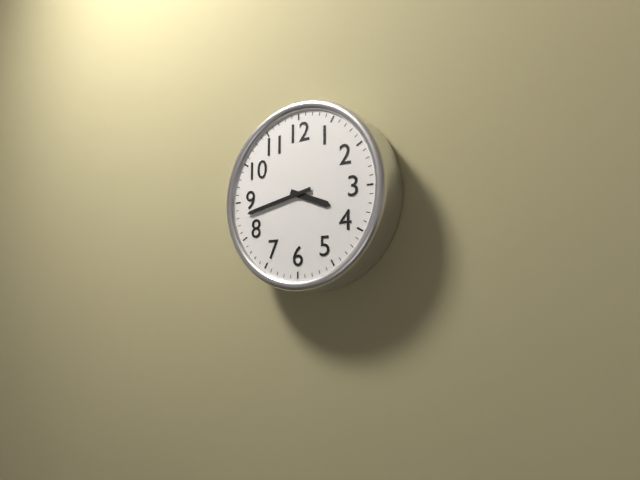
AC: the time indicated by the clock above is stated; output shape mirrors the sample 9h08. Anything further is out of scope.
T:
3h43
